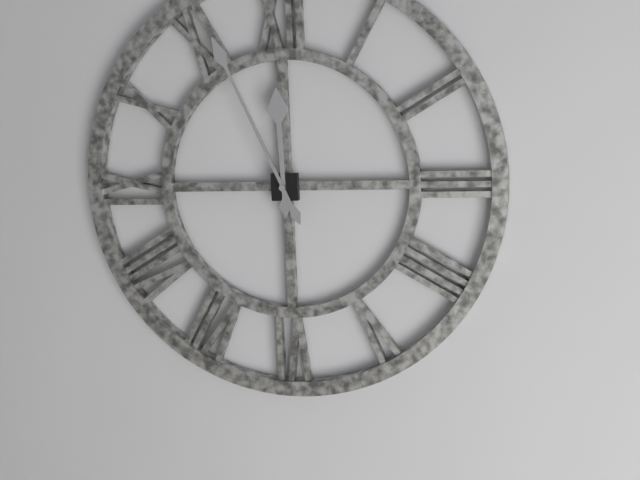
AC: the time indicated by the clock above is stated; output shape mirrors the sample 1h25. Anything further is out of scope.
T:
11h56
